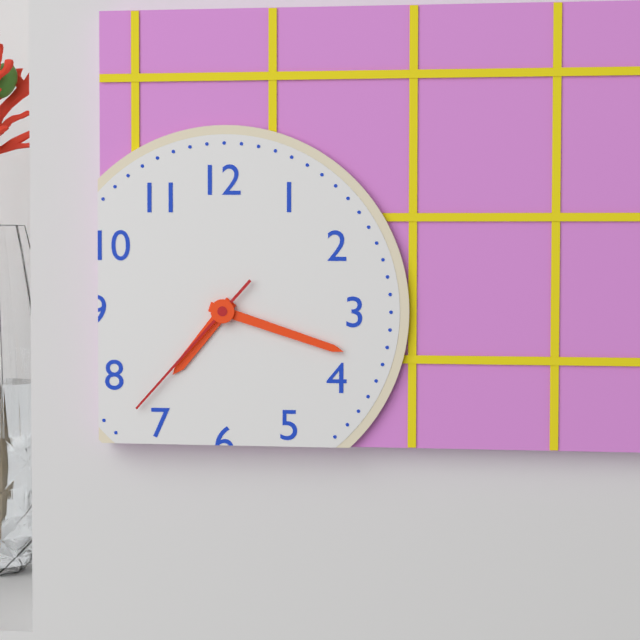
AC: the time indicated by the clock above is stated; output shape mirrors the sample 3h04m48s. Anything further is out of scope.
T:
7h18m37s
